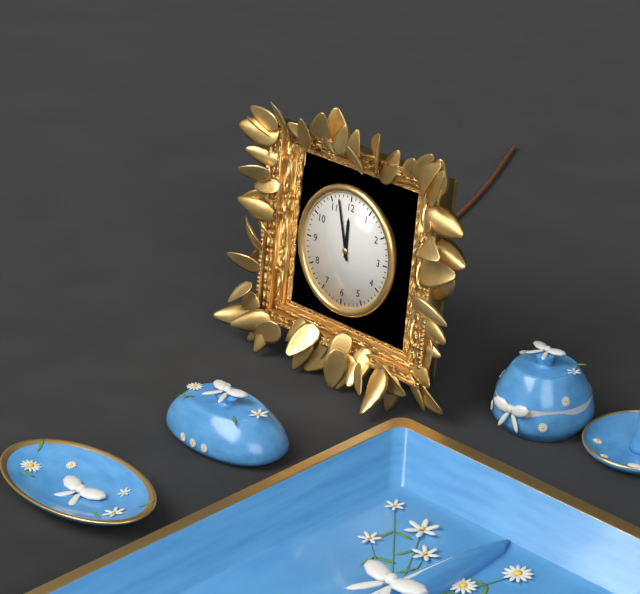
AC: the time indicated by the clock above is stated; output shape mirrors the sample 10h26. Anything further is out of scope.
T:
11h57
